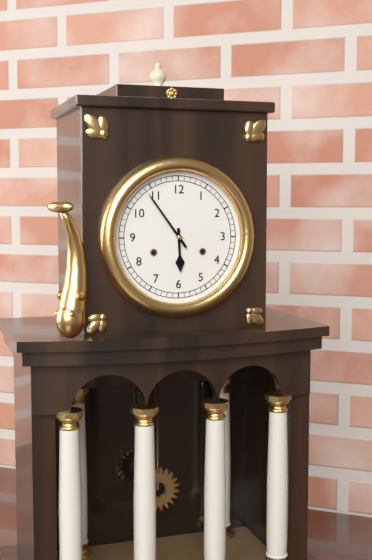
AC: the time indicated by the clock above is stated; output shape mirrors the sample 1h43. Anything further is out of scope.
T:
5h54
